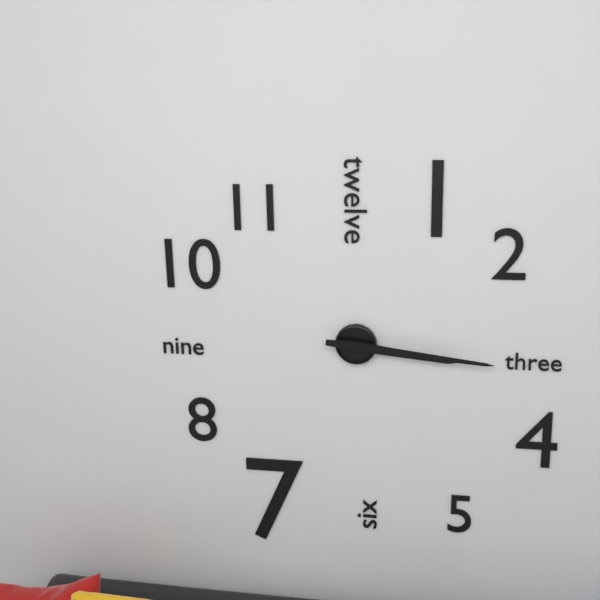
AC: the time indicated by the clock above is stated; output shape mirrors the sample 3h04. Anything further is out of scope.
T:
3h16
